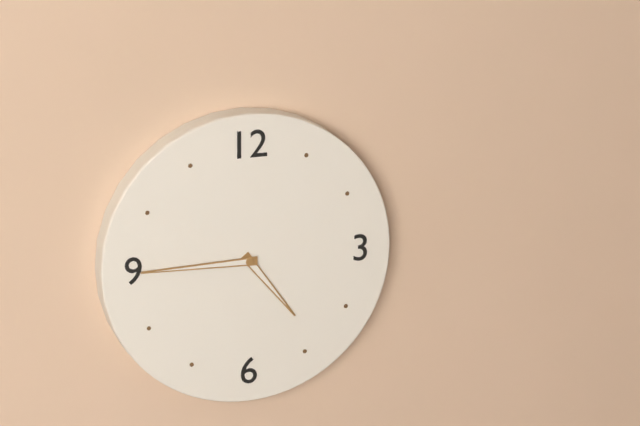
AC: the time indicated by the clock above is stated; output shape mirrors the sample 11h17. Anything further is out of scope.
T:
4h45
